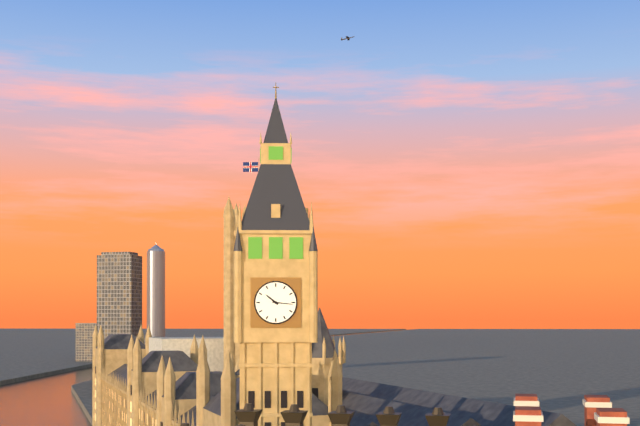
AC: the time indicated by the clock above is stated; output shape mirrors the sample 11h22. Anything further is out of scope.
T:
10h16
